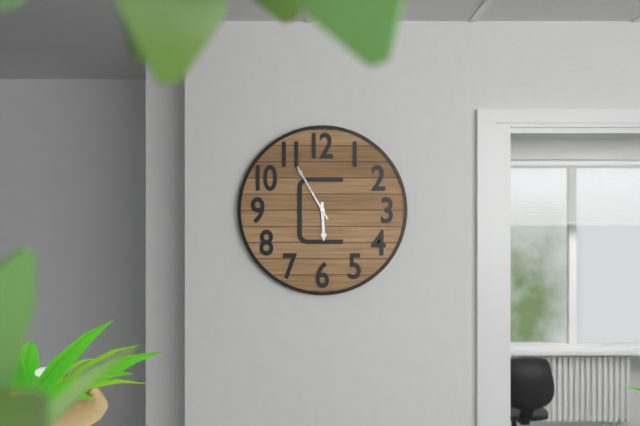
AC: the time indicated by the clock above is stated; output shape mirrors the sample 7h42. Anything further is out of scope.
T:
5h55
